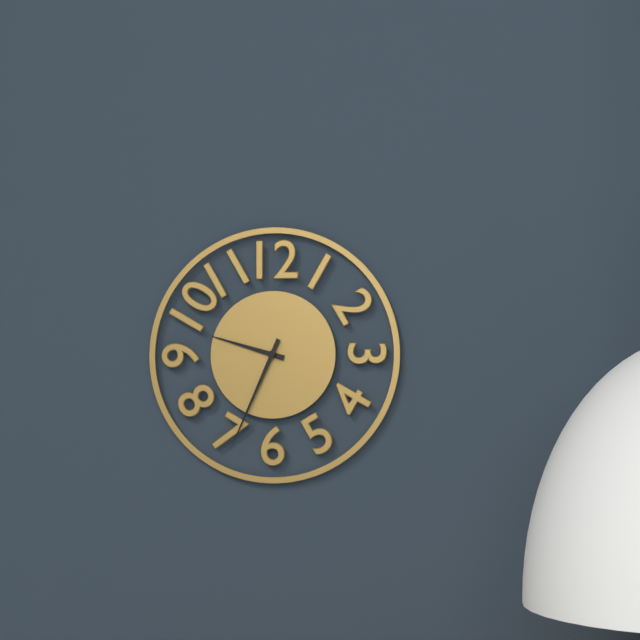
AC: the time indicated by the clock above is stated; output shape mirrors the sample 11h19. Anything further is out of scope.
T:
9h34
